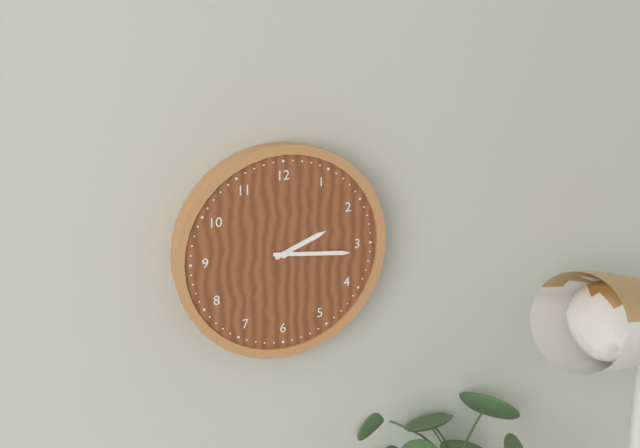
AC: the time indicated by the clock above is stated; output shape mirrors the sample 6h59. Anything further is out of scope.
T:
2h16
